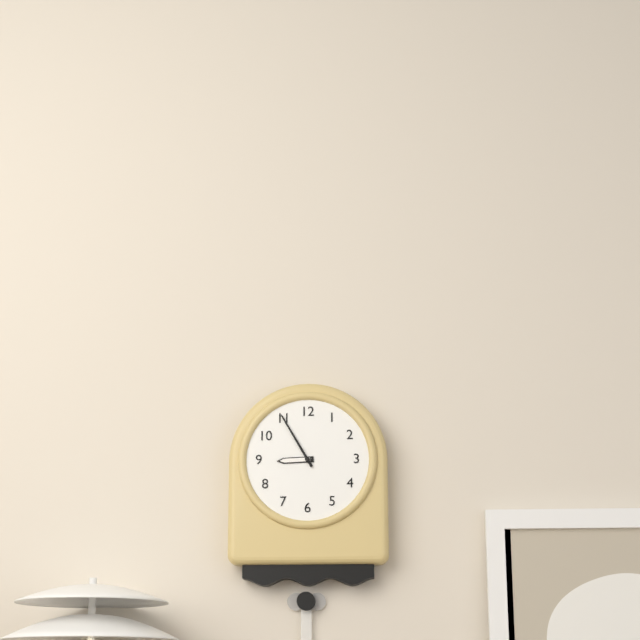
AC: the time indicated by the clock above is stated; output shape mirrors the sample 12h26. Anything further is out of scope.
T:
8h55
